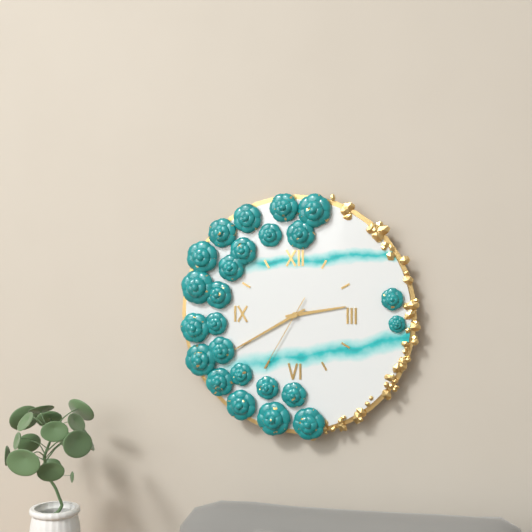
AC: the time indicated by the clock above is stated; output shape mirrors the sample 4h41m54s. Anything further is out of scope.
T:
2h40m35s
